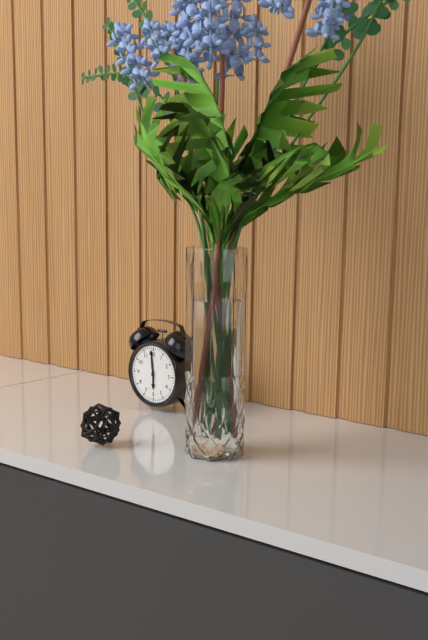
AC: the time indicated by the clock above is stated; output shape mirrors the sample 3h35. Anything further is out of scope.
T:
5h59
